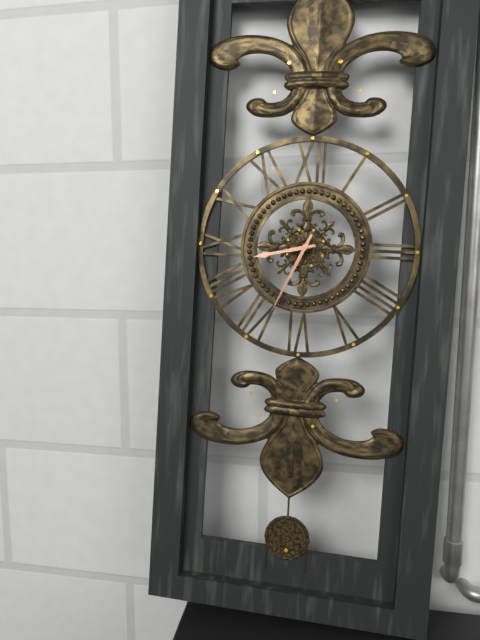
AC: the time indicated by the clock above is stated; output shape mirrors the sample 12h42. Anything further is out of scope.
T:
8h34
